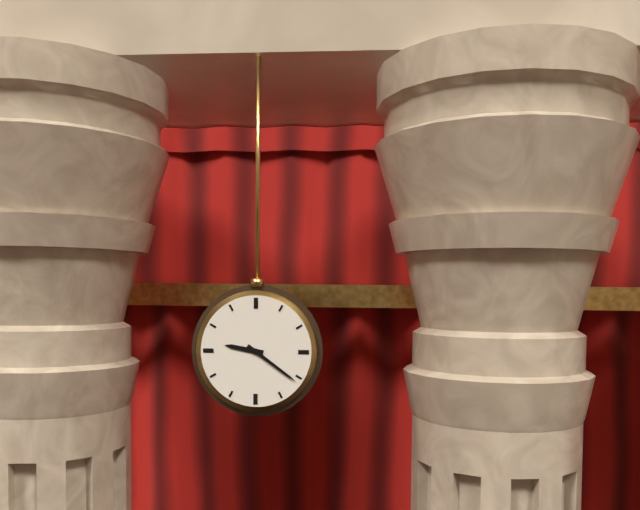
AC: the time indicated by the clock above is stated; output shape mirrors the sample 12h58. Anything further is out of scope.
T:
9h21
